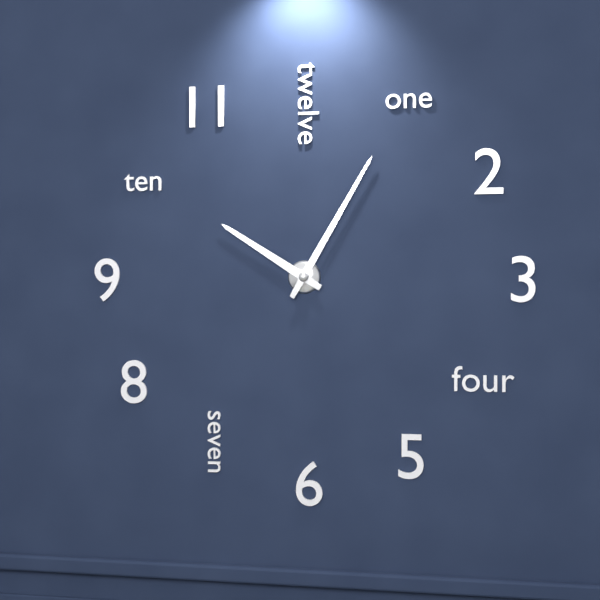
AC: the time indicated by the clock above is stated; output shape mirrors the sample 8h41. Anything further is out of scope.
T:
10h05
